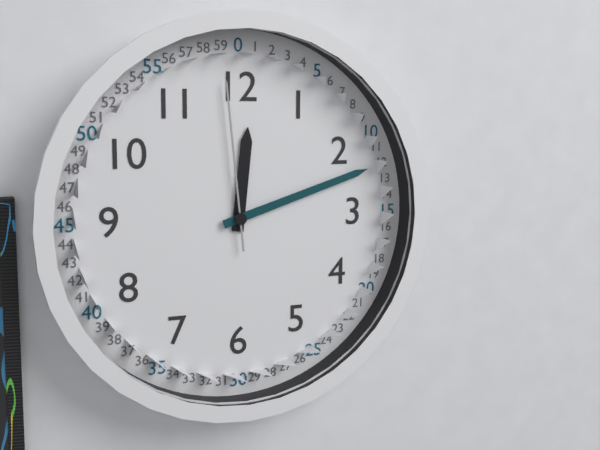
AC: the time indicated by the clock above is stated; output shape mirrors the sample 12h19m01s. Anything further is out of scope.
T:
12h12m59s
